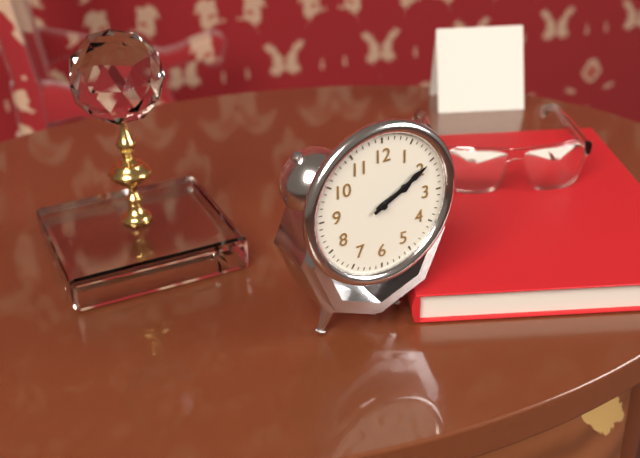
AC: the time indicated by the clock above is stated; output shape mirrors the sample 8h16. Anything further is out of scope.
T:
2h10
